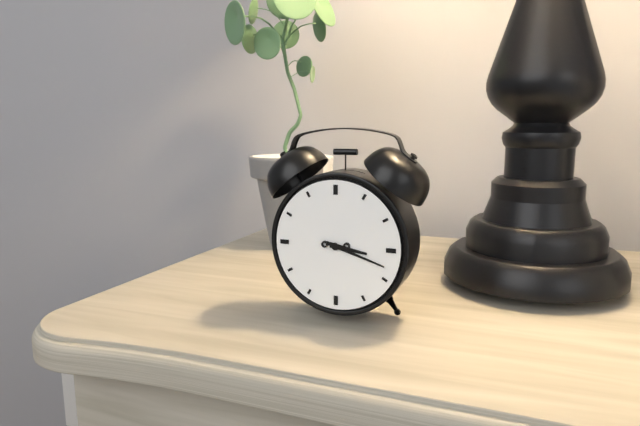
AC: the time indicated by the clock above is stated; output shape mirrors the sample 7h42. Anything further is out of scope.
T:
3h18
